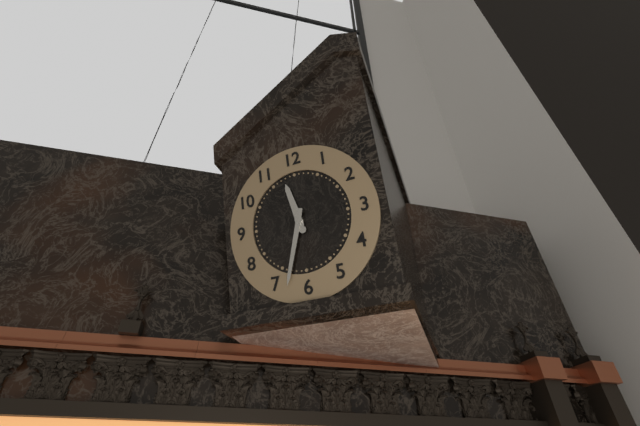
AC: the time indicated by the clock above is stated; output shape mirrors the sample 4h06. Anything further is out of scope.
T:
11h33
